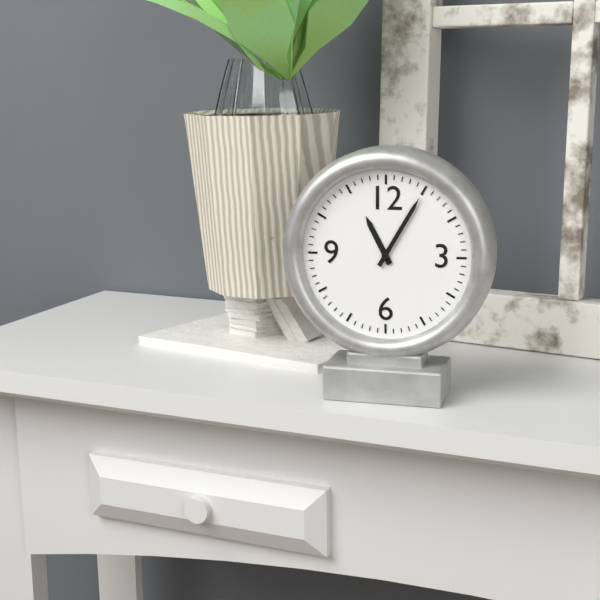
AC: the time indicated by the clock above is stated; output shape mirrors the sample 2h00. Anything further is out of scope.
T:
11h05
